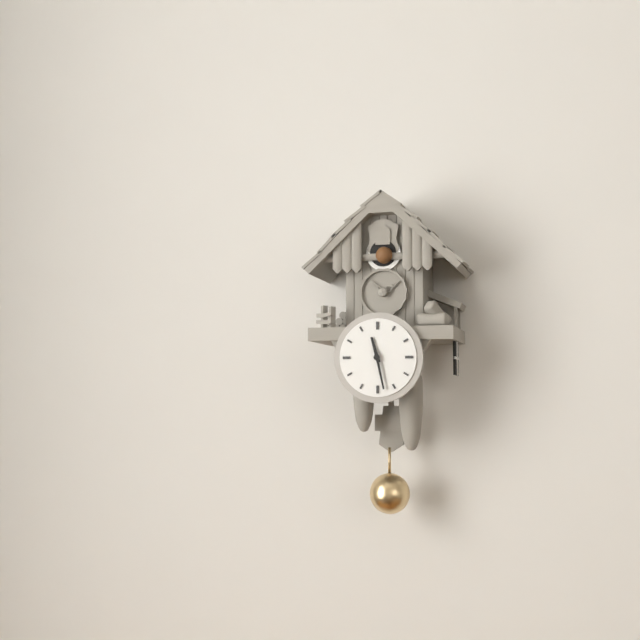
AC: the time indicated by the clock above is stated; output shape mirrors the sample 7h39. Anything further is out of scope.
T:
11h28
